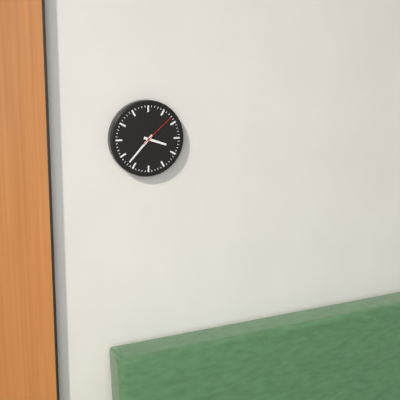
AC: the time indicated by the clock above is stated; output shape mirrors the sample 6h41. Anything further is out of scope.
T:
3h37
